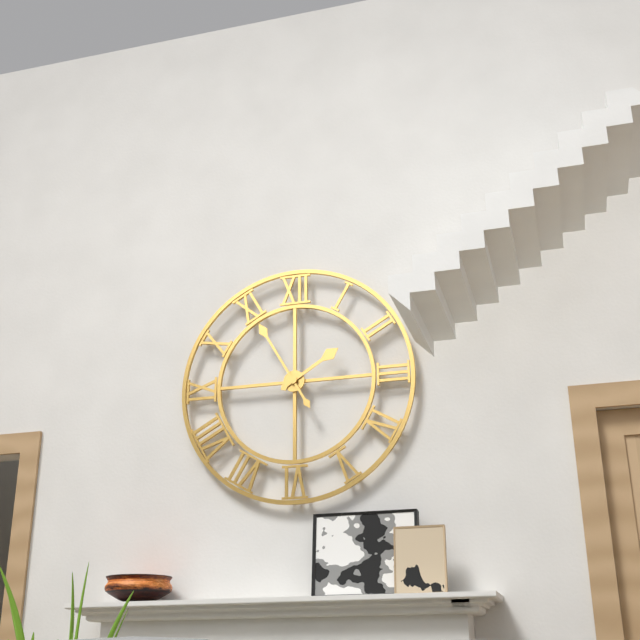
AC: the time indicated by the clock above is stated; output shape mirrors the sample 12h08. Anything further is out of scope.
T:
1h55
